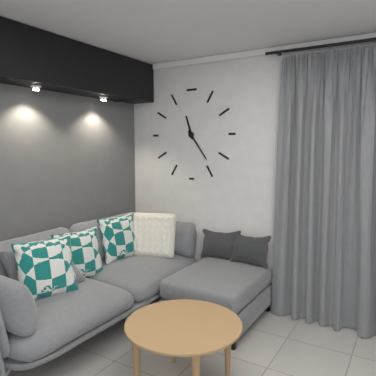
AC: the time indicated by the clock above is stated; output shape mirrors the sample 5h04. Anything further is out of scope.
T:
11h24
